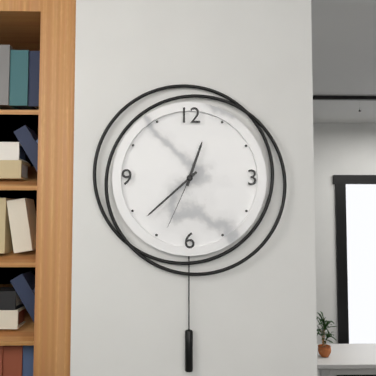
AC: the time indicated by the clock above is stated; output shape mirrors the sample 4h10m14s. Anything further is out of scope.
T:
12h38m34s
